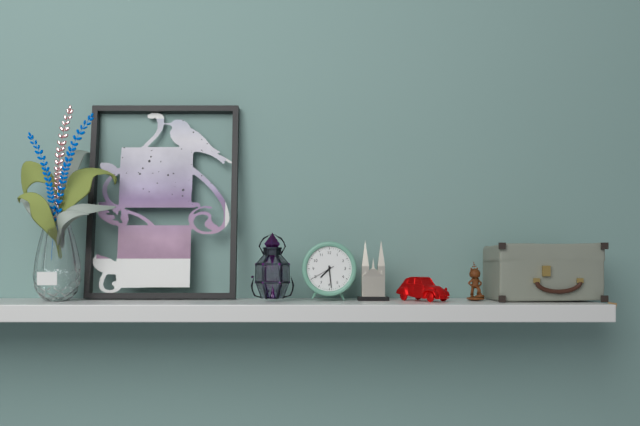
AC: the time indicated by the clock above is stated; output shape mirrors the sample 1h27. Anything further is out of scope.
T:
7h29
